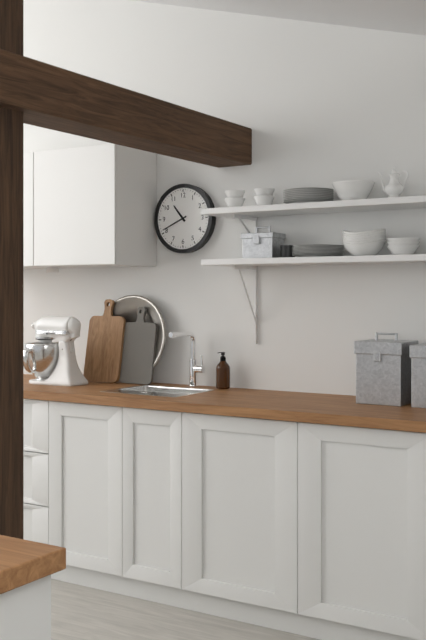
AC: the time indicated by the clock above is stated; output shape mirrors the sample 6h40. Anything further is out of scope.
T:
10h41
